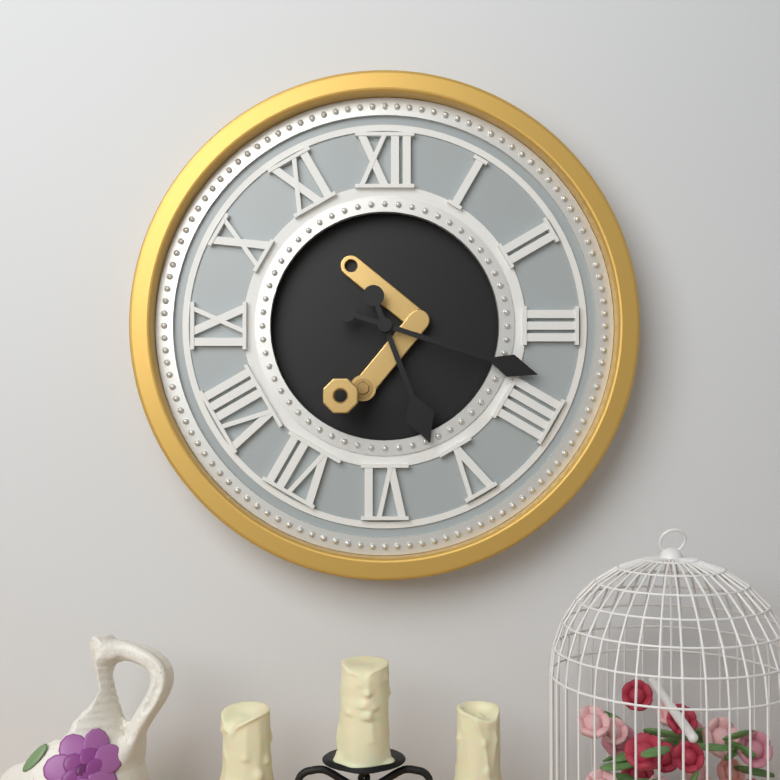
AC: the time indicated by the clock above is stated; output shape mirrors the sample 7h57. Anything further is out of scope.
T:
5h18
